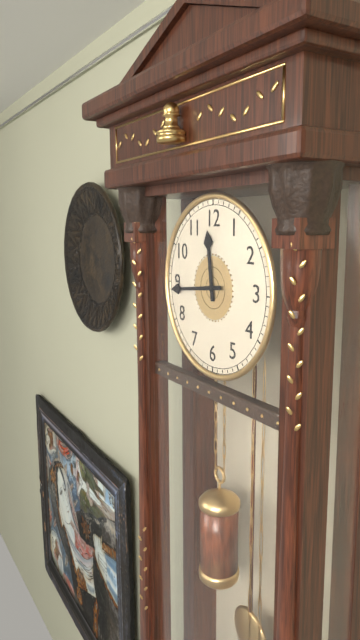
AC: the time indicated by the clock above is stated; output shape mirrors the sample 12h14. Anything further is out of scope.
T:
11h44
